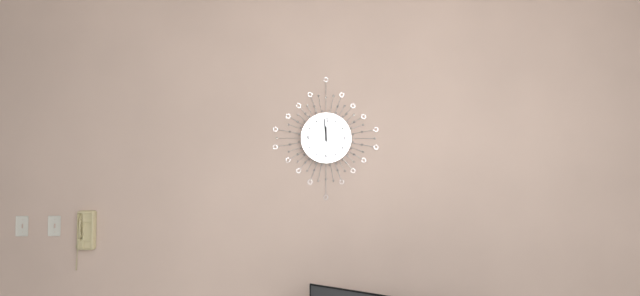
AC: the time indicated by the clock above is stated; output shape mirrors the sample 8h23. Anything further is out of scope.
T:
11h59
